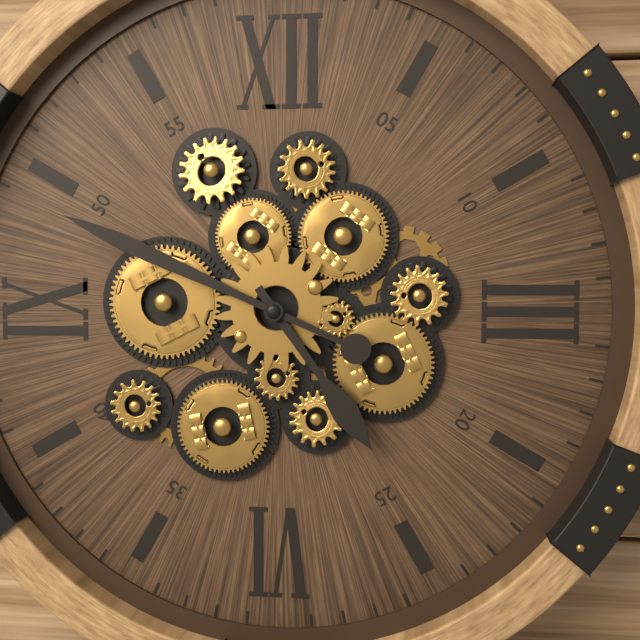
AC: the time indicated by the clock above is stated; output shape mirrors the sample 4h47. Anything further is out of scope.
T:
4h49
